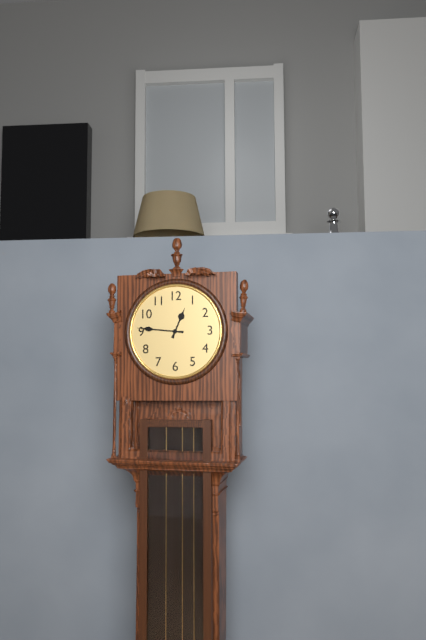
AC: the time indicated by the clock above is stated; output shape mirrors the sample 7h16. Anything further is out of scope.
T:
12h46
